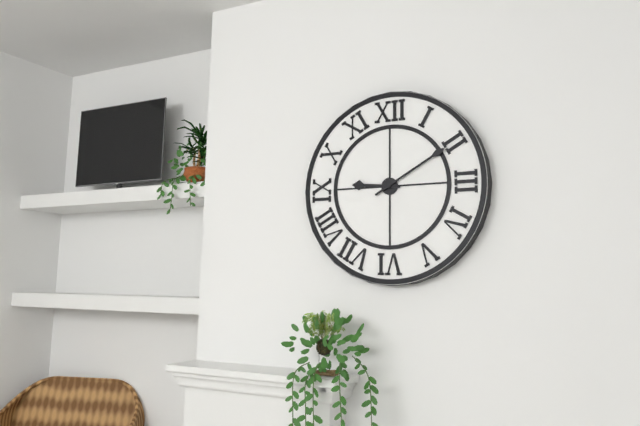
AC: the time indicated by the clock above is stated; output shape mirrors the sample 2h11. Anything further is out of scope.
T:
9h10
